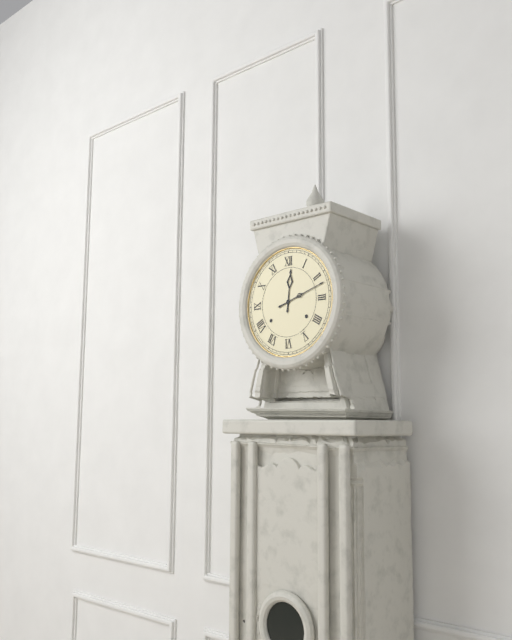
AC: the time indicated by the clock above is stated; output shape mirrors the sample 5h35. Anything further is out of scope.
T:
12h12
